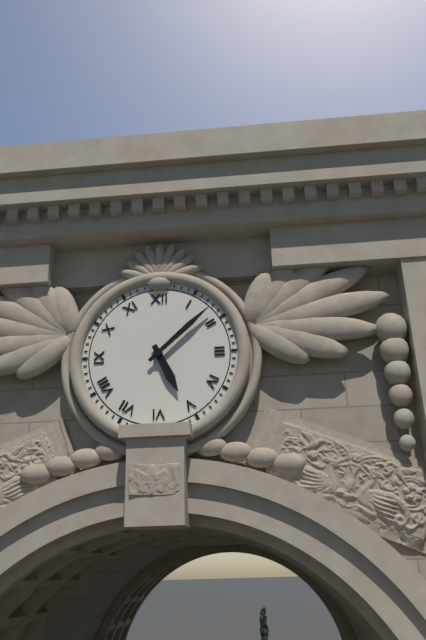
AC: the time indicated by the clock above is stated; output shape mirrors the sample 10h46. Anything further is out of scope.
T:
5h08
